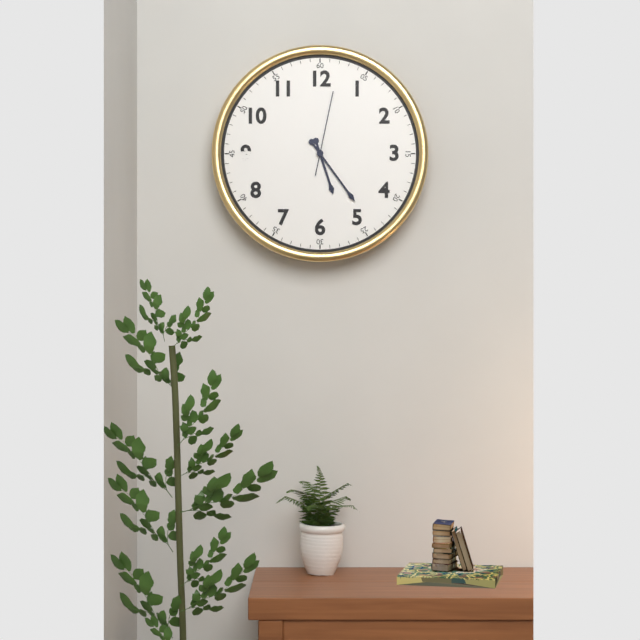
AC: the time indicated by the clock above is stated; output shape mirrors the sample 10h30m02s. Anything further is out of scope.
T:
5h24m02s
